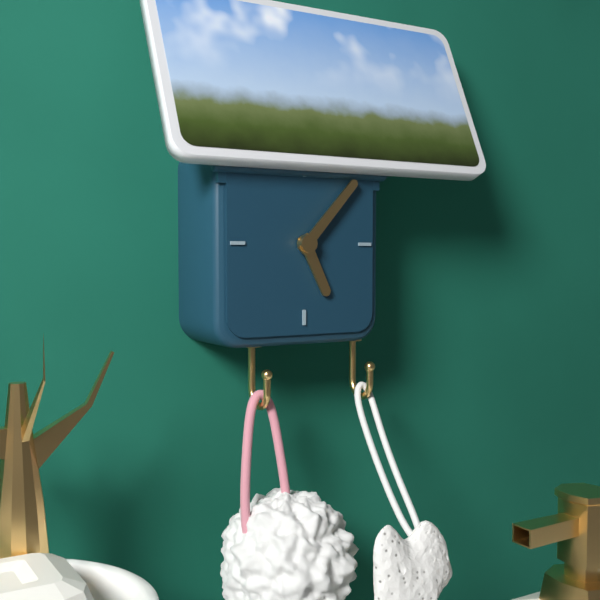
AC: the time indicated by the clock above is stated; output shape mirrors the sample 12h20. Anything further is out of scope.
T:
5h07
